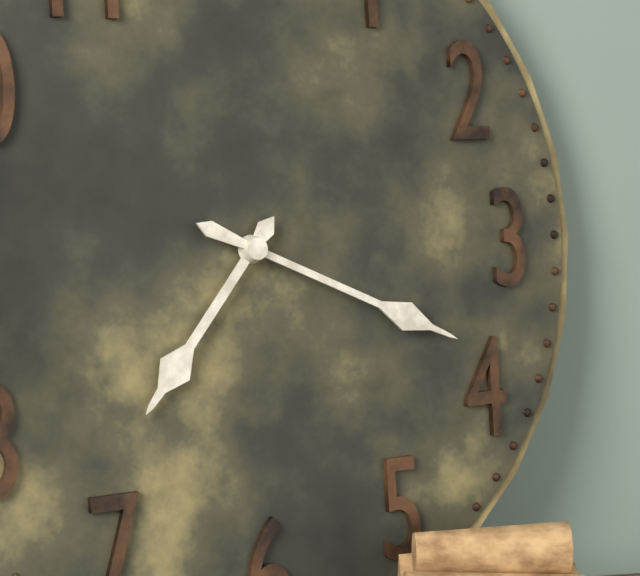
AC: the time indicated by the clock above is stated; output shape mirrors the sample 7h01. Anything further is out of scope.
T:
7h19
